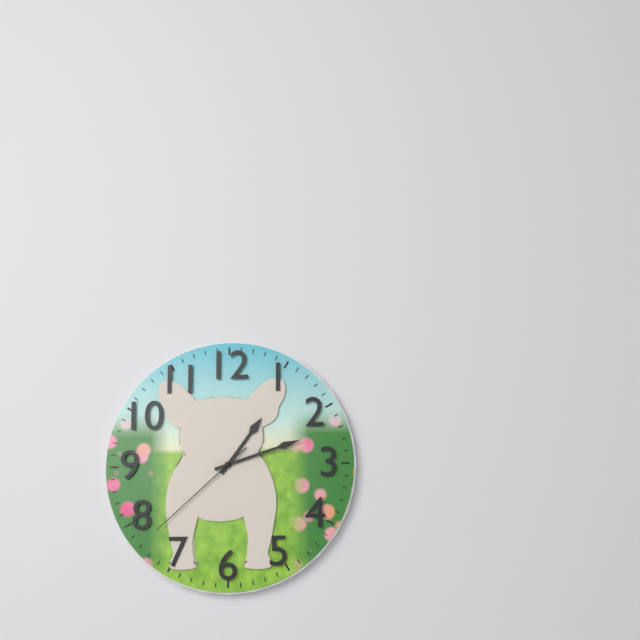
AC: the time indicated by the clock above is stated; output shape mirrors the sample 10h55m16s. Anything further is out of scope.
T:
1h12m38s
